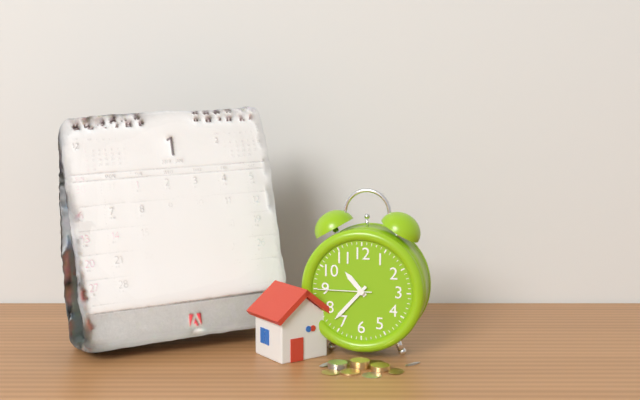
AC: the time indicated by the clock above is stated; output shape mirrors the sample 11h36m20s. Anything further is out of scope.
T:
10h37m45s
